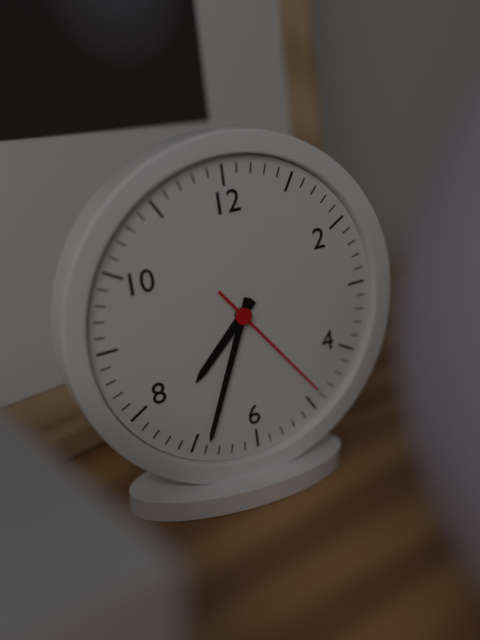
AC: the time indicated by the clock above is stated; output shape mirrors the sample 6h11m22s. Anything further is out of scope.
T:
7h34m24s
